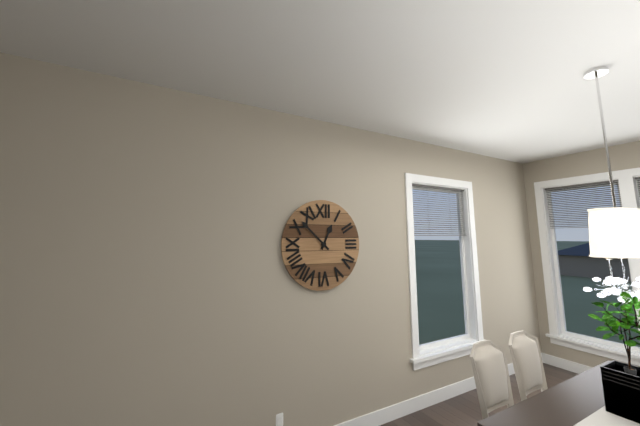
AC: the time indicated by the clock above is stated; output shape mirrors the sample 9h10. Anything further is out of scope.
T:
12h52
